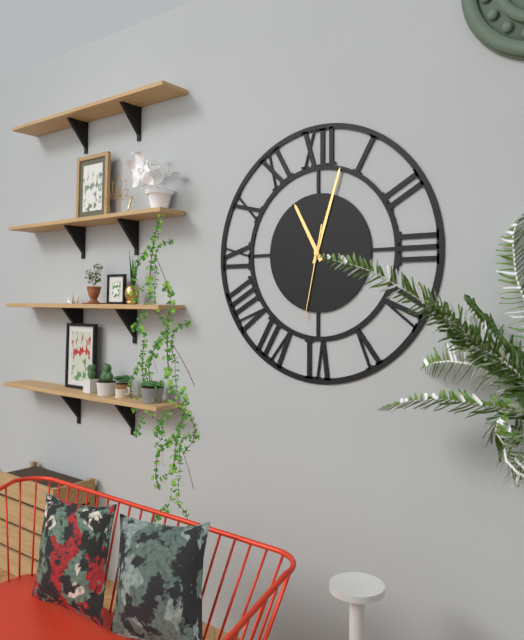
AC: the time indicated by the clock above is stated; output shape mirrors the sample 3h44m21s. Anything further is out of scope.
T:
11h03m32s
